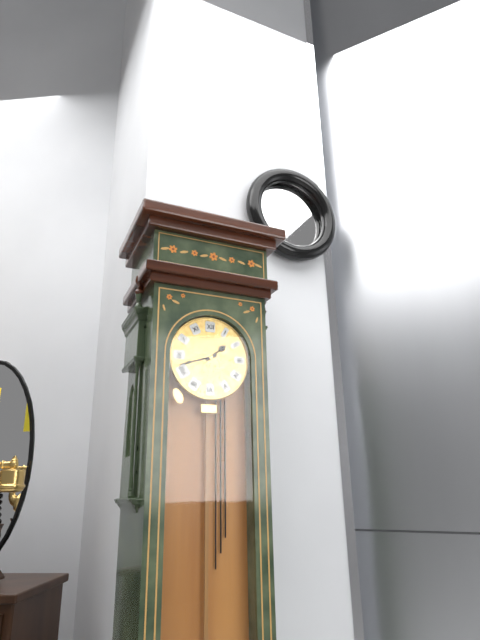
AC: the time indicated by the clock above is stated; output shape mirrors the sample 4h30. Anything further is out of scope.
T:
1h42
